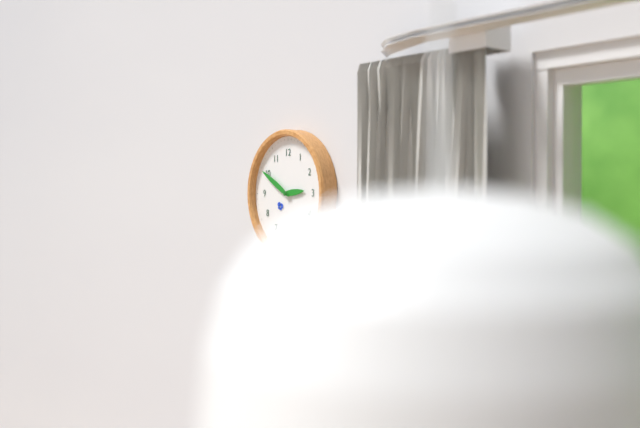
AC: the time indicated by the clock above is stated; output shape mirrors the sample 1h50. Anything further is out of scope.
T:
2h50
